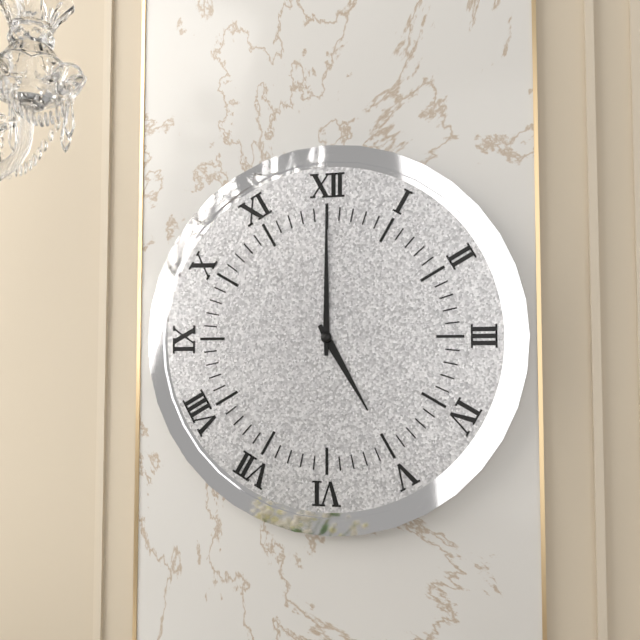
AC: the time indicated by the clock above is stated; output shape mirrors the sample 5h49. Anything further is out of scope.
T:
5h00
